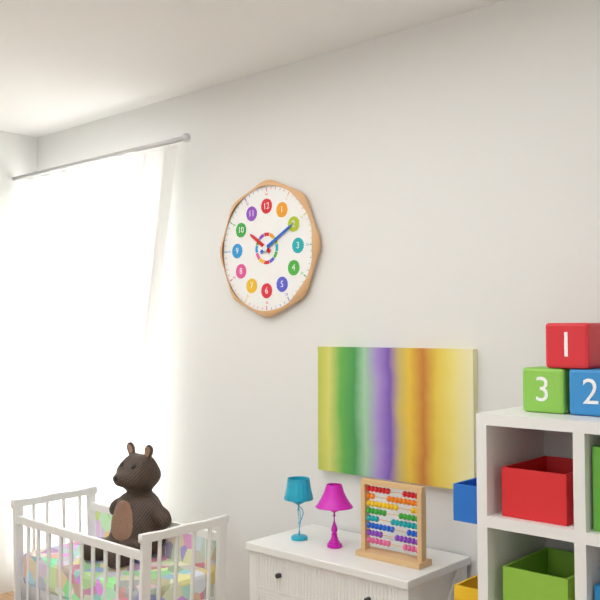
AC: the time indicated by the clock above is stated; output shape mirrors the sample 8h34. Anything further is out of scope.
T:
10h10
